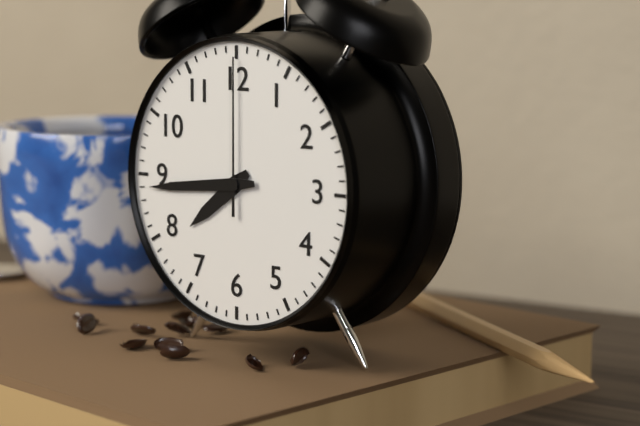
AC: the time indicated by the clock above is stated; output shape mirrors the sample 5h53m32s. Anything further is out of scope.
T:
7h44m00s
